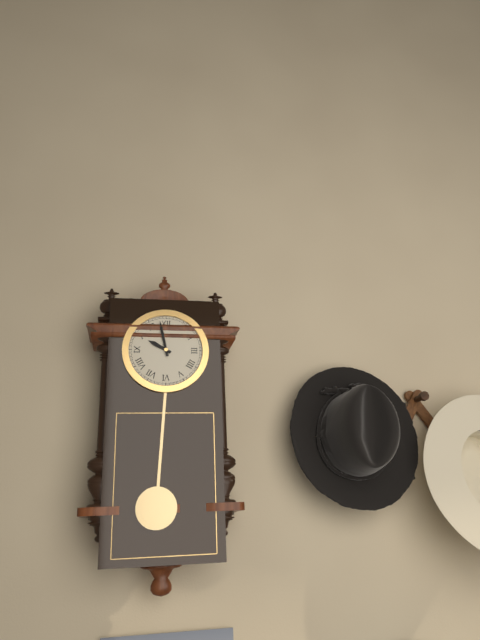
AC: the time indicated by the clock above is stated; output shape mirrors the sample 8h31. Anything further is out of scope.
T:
9h58
